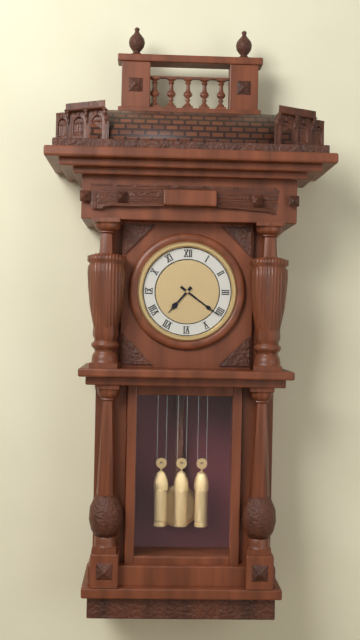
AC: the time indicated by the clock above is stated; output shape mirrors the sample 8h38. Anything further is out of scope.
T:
7h21
